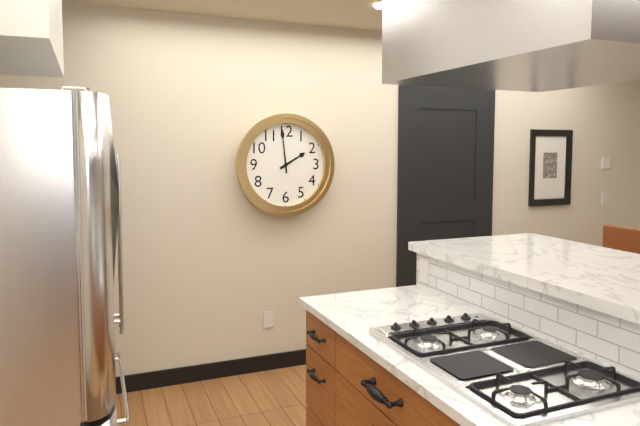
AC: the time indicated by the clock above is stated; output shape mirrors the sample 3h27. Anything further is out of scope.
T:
1h59
